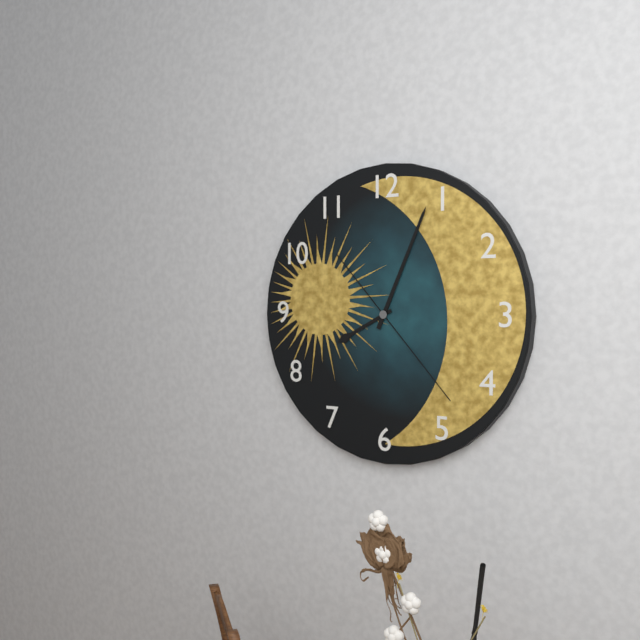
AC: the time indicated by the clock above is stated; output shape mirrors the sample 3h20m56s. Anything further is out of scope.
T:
8h04m23s
